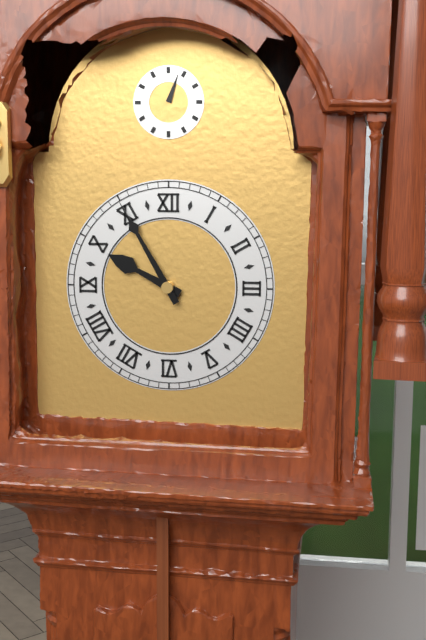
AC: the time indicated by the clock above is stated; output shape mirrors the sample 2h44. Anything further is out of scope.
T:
9h55
